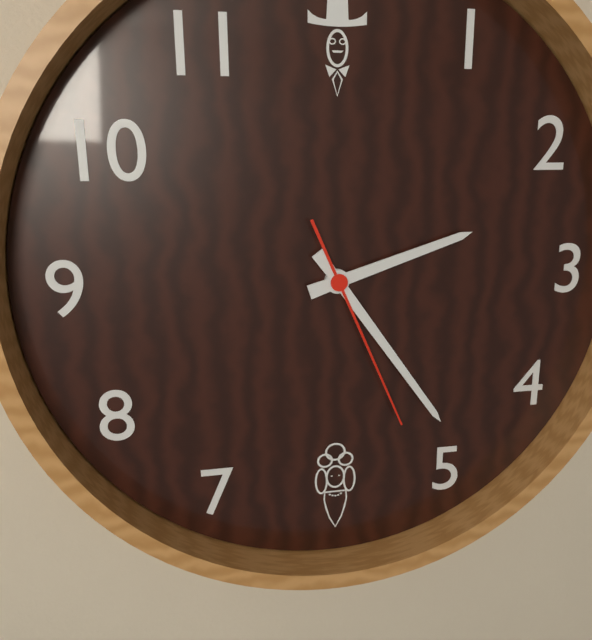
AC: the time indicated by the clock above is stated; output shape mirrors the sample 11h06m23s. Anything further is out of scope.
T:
2h24m26s
